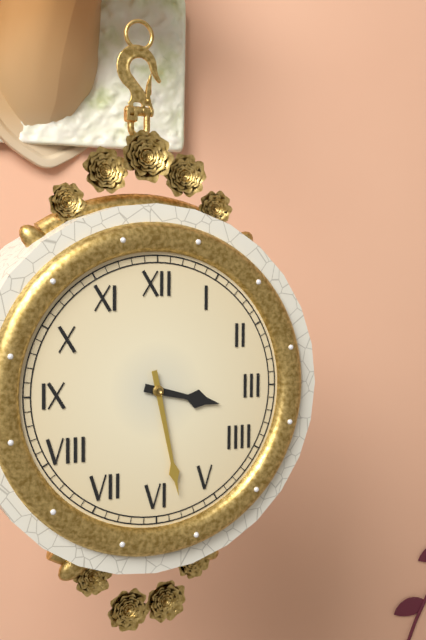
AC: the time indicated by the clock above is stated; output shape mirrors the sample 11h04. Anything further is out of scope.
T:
3h28
